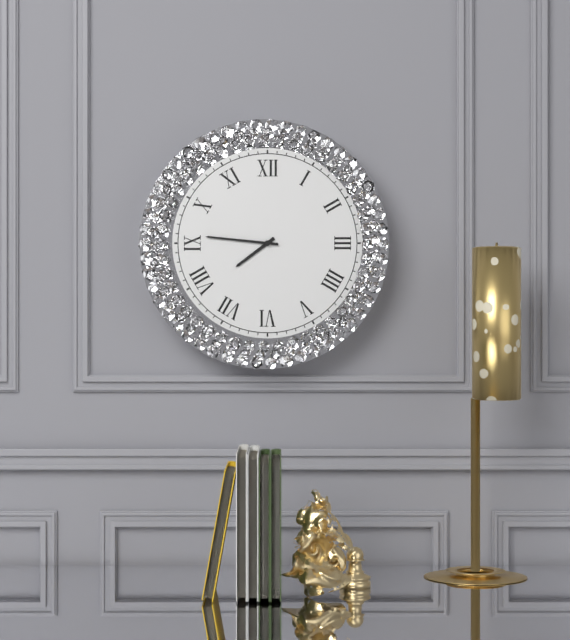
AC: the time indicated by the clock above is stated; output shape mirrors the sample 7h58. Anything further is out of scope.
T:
7h46
